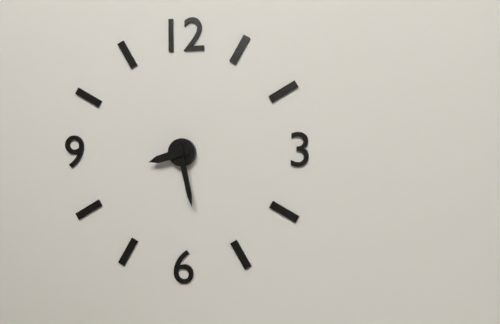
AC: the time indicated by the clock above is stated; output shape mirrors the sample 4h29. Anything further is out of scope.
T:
8h28
